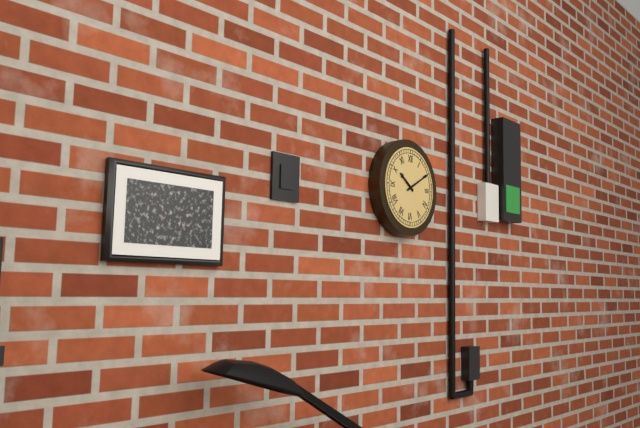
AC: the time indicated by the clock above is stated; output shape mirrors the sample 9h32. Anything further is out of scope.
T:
10h10
